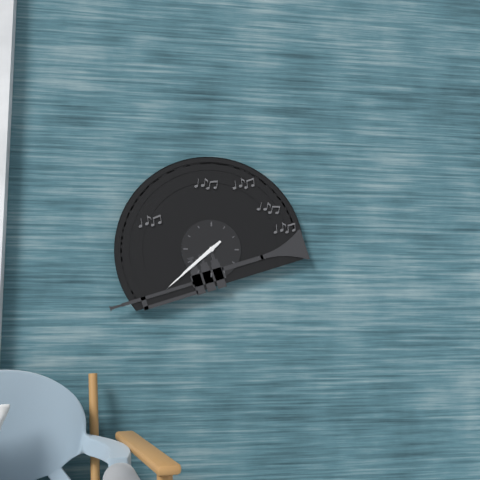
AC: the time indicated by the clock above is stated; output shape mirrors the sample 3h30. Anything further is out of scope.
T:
7h38
